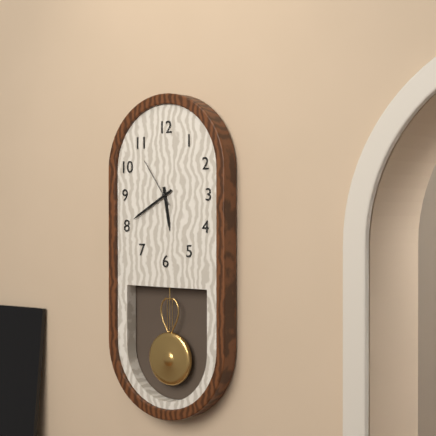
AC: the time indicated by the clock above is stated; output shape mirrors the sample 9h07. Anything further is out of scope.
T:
5h40
